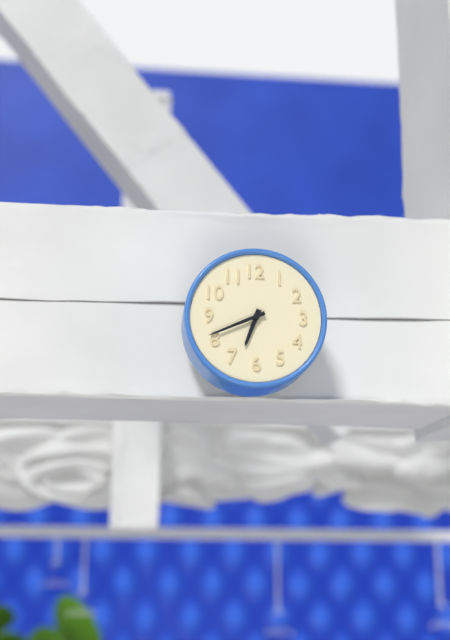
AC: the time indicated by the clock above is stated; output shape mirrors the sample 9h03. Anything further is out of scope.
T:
6h41
